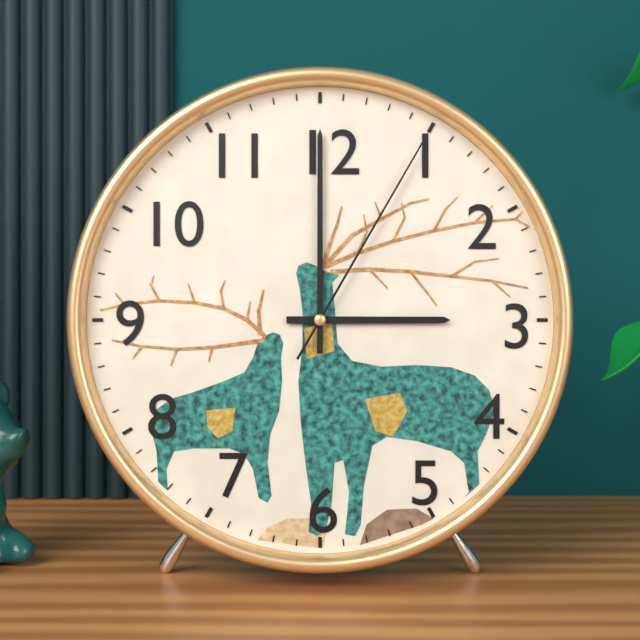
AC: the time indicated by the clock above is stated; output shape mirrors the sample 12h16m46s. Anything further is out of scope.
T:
3h00m05s
